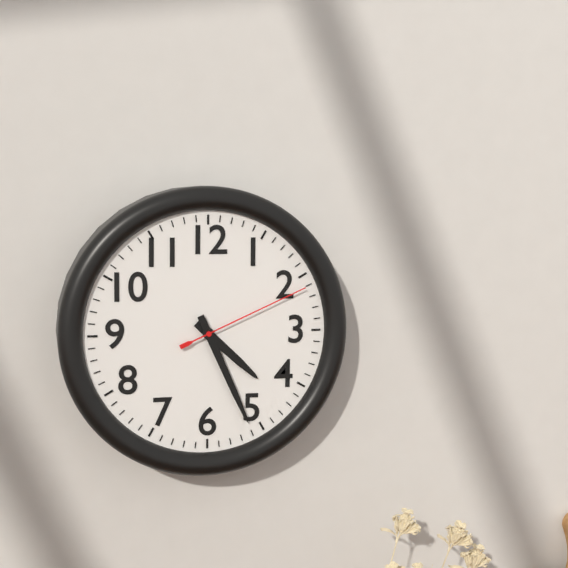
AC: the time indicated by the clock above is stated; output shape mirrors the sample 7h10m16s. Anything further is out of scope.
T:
4h26m11s
